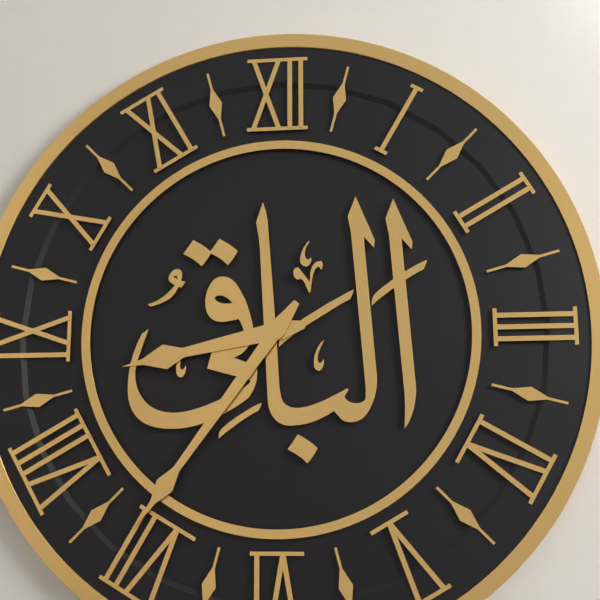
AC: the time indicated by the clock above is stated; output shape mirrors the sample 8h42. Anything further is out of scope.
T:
8h36
